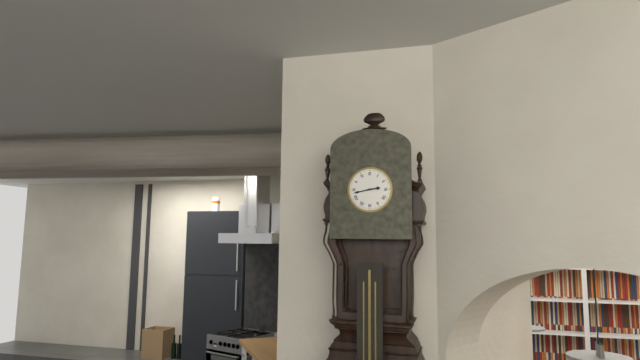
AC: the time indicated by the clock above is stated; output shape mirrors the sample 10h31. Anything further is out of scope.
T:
2h43
